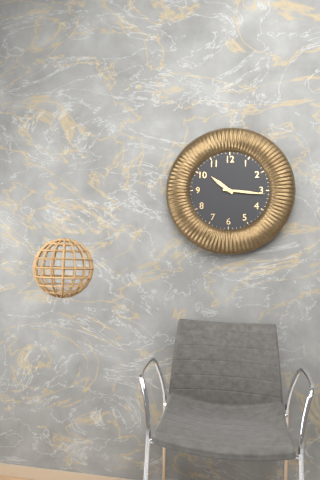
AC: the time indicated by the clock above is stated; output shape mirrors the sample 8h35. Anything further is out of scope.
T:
10h16
